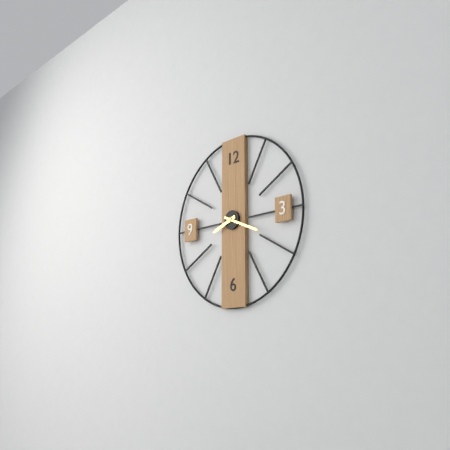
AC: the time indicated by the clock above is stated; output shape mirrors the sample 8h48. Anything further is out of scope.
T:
8h19
